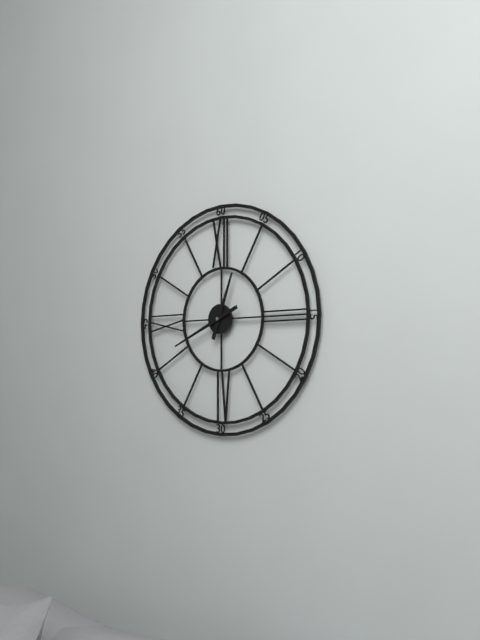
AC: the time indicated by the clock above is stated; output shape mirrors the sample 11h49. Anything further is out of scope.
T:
12h41
